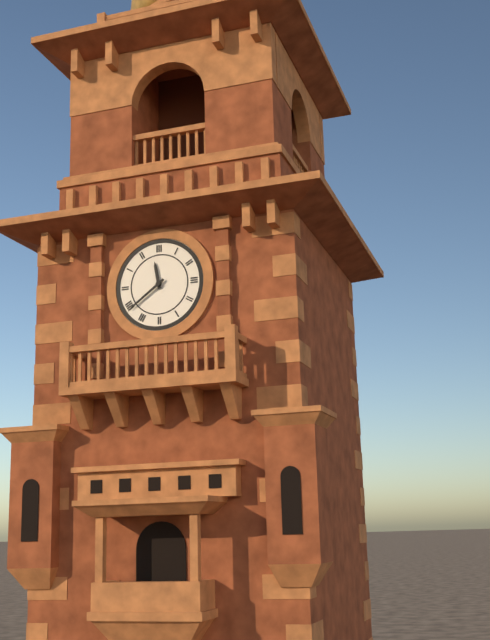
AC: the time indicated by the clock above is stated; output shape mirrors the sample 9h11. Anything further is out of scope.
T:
11h39
